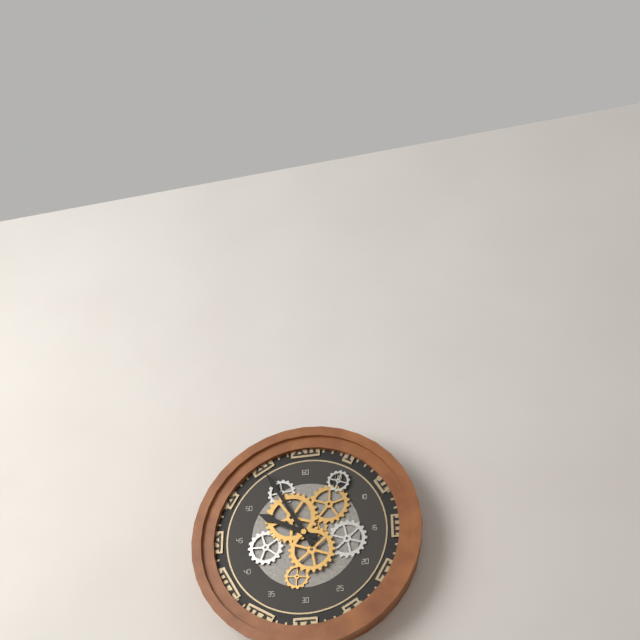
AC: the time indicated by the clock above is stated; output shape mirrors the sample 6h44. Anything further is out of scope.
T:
9h55
